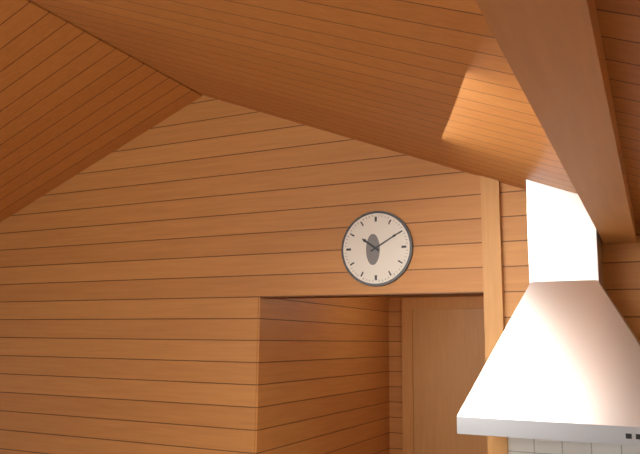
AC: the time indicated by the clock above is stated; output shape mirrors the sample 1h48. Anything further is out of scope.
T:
10h10
